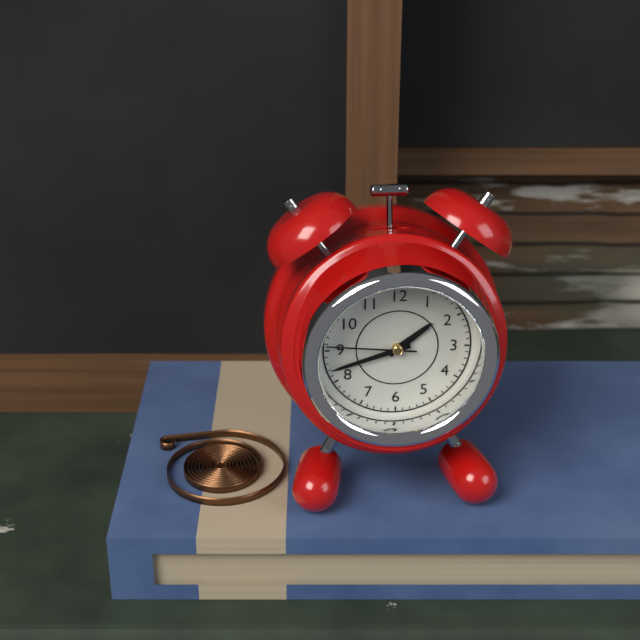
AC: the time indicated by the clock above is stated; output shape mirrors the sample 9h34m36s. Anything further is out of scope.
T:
1h42m46s
